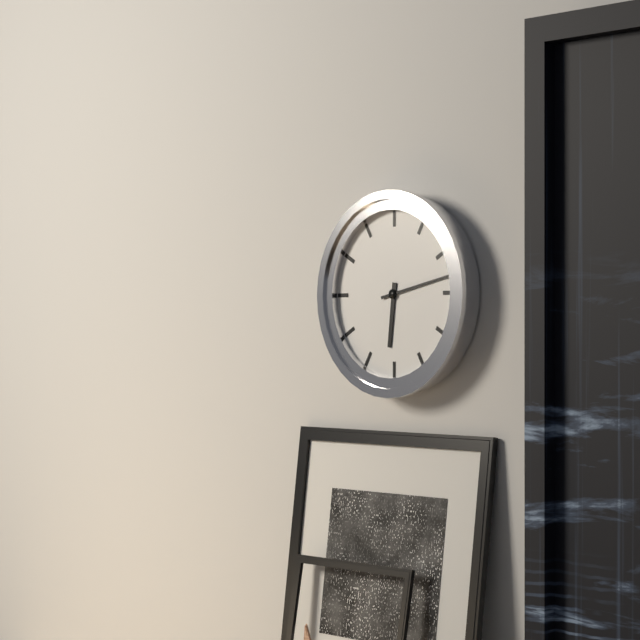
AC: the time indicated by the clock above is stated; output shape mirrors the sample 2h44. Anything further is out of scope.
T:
6h13
